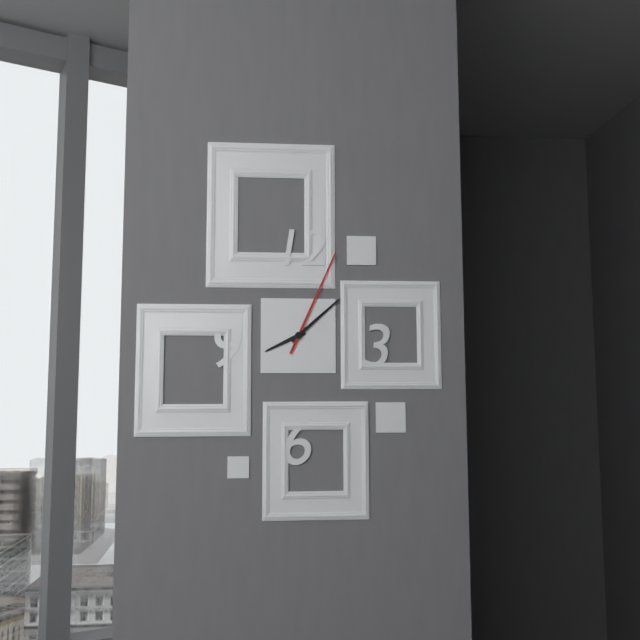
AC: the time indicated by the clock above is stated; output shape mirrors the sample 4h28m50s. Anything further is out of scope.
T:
8h08m04s
